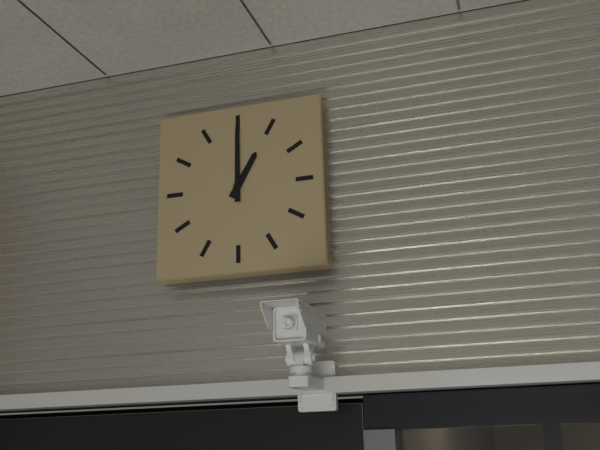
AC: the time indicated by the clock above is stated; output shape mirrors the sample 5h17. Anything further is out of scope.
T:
1h00
